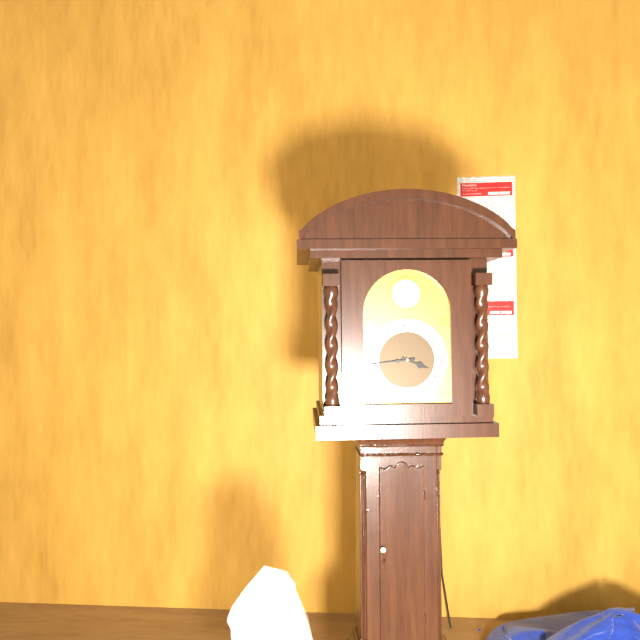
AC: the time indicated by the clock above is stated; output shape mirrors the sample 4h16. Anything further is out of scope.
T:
3h44
